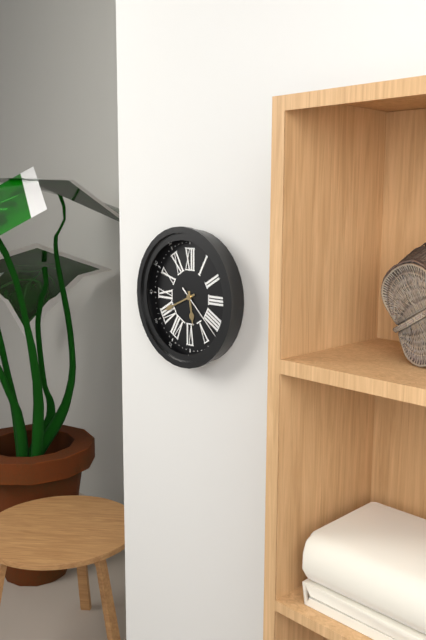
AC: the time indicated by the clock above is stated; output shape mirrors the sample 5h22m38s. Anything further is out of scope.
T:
5h41m22s
